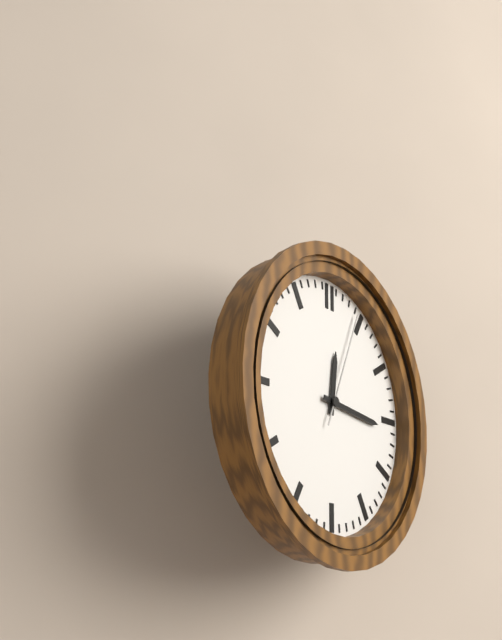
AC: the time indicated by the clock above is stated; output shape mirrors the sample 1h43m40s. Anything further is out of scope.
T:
12h16m04s
